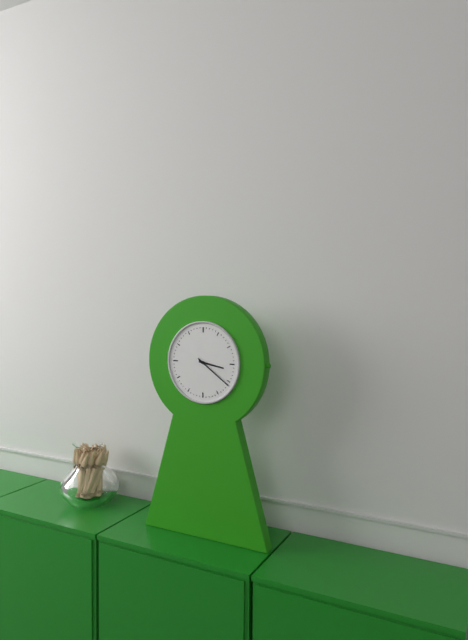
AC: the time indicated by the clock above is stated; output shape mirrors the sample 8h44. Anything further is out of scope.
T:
3h21
